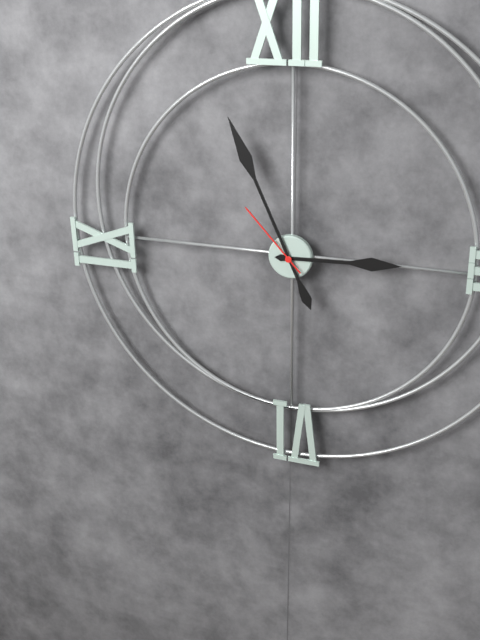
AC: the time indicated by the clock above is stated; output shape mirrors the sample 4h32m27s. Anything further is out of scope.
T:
2h56m53s
